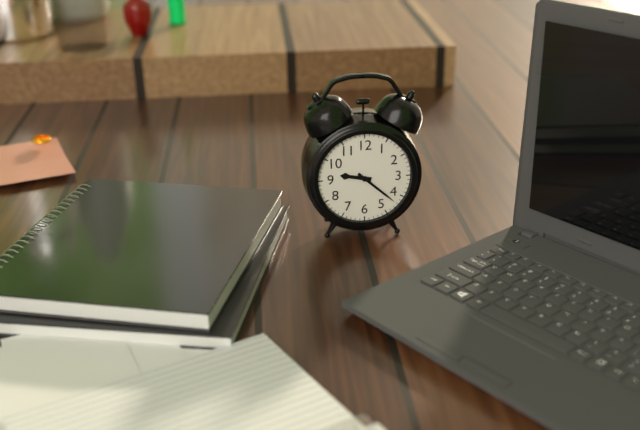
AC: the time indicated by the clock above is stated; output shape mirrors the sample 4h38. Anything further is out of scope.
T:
9h22
